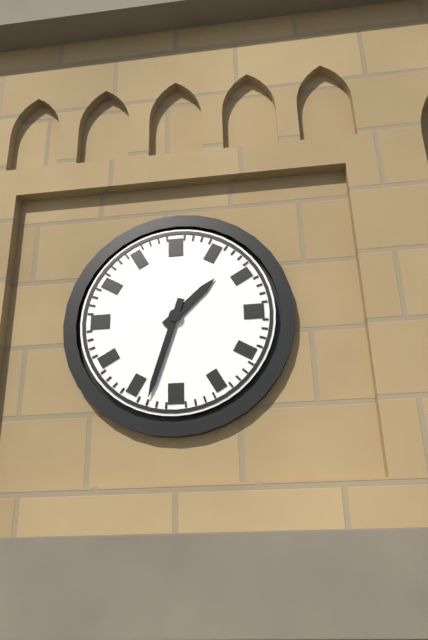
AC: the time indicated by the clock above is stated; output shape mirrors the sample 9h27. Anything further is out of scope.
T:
1h33
